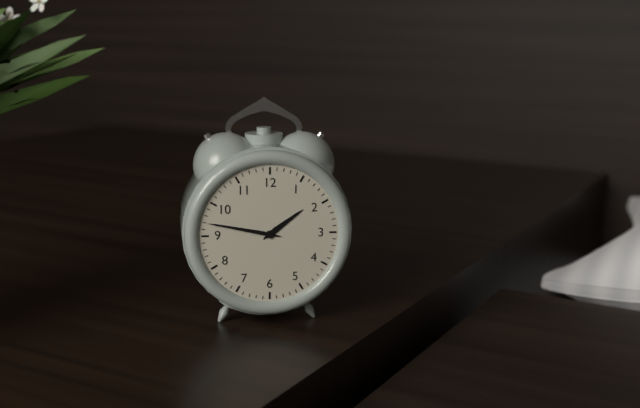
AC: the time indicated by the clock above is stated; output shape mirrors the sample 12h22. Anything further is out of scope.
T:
1h47
